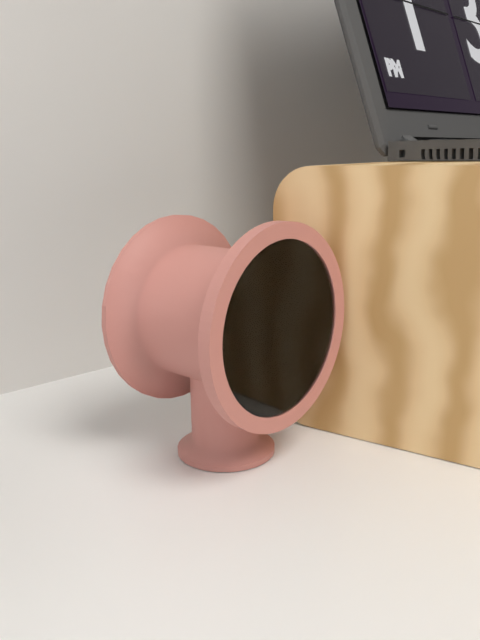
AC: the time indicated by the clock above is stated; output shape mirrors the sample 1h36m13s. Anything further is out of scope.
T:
9h28m06s
